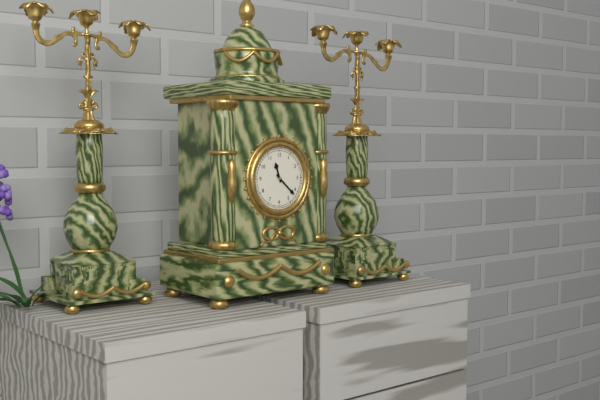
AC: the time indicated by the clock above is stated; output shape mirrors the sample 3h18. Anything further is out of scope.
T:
11h22
